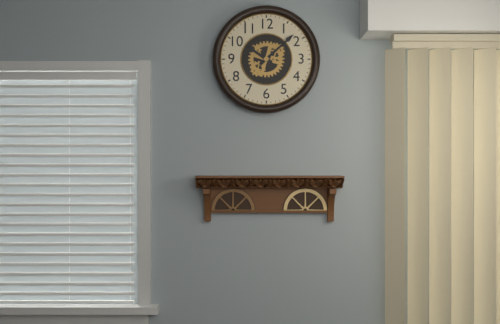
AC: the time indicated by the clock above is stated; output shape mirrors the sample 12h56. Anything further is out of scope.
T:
10h08
